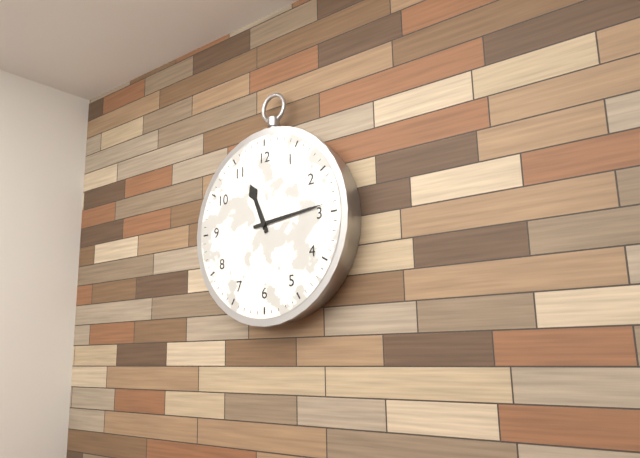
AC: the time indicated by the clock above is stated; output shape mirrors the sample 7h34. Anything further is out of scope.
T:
11h14
